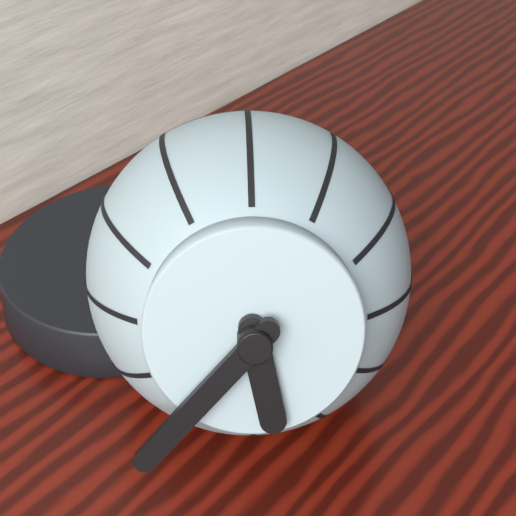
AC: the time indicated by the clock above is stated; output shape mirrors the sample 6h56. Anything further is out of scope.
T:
5h37
